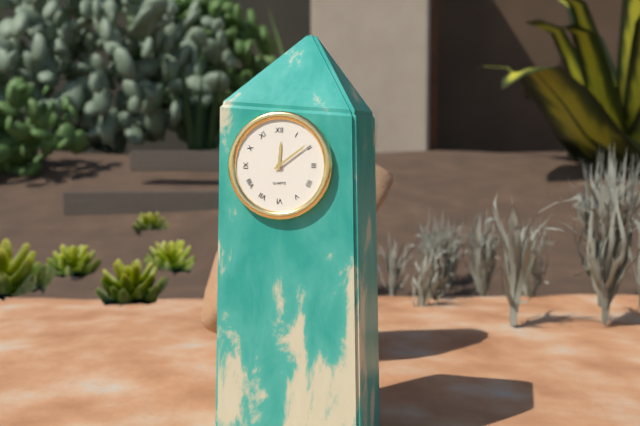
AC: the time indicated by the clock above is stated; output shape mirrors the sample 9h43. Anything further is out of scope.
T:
12h09
